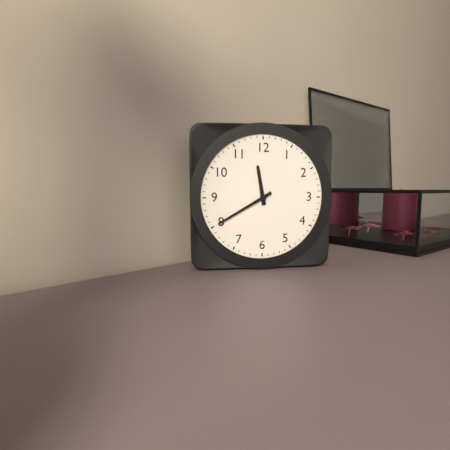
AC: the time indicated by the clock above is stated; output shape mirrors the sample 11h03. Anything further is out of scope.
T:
11h40
